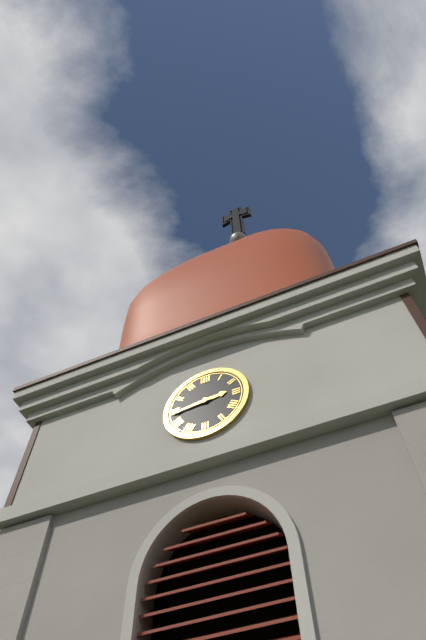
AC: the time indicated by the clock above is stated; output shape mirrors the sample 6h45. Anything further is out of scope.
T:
2h44
